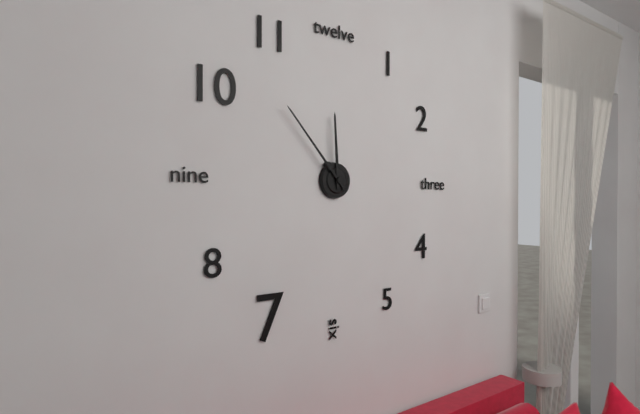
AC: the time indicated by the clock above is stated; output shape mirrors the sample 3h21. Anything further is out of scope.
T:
11h53
